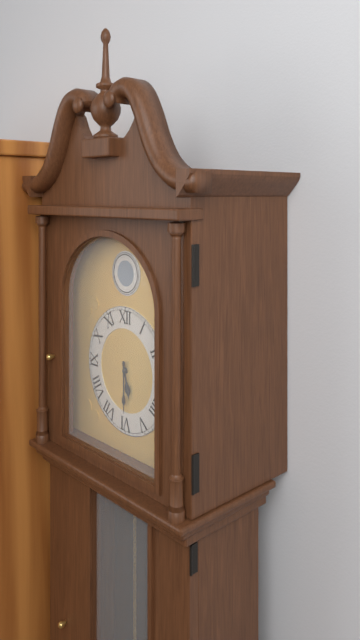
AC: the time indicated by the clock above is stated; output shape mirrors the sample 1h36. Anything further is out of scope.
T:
5h30
